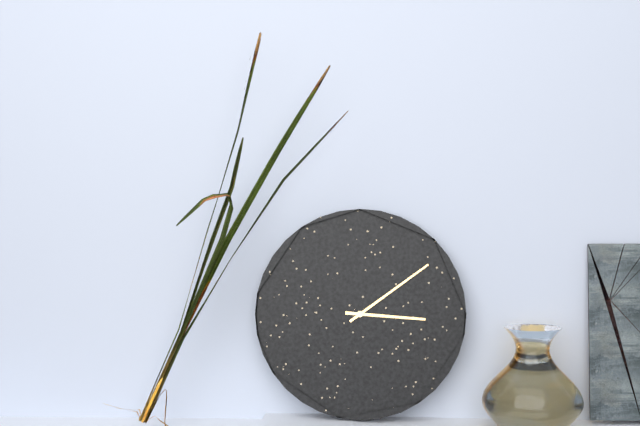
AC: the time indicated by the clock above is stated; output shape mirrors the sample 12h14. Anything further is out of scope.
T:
3h09
